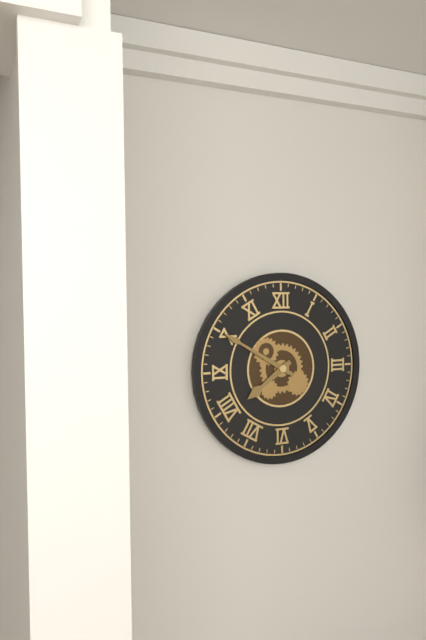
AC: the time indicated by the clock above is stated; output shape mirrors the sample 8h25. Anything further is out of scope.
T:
7h50
